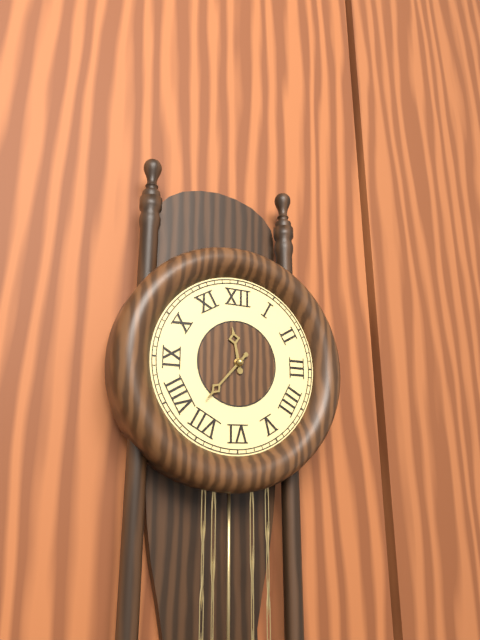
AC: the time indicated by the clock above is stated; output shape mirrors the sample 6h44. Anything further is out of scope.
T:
11h37
